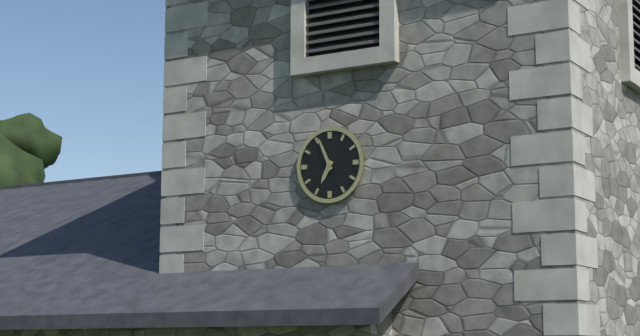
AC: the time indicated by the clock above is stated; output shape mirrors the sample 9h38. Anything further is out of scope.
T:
6h56
